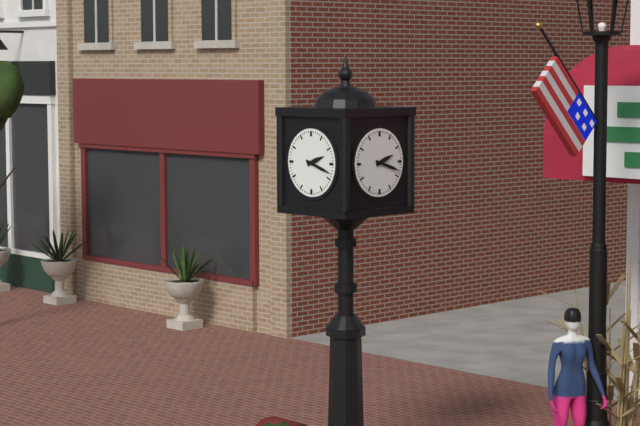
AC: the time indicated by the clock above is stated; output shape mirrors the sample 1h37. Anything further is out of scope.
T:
2h18
